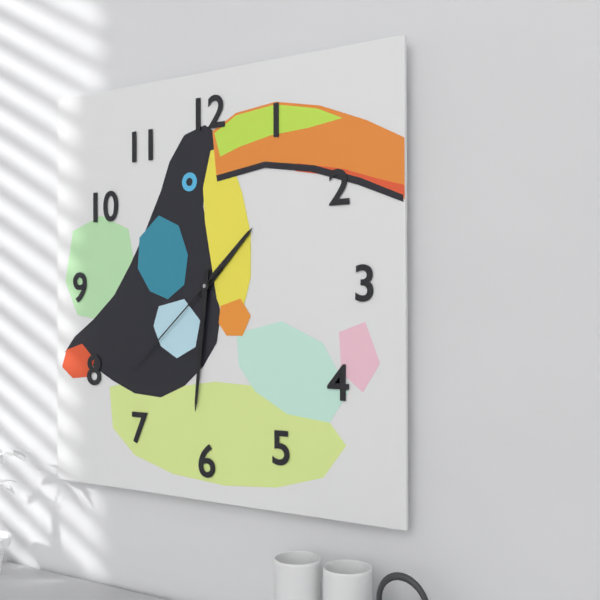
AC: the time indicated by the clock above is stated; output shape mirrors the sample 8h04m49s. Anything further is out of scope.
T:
1h31m38s
